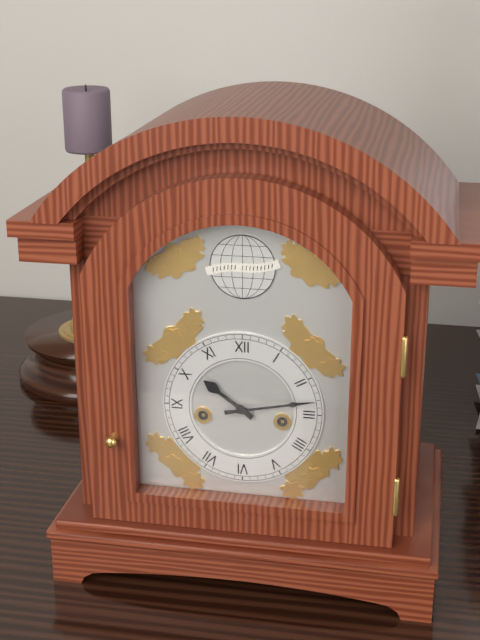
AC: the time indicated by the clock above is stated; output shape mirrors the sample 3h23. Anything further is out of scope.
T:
10h13
